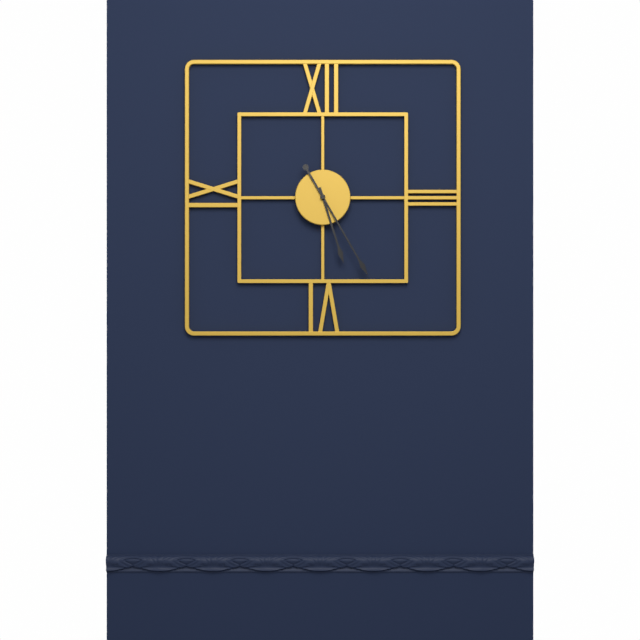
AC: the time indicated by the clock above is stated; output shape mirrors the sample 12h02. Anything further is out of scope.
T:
5h25
